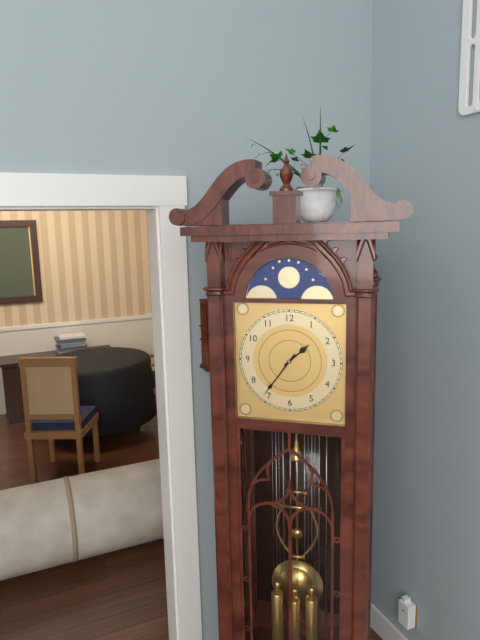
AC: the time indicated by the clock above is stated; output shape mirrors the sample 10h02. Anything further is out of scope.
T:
1h36
